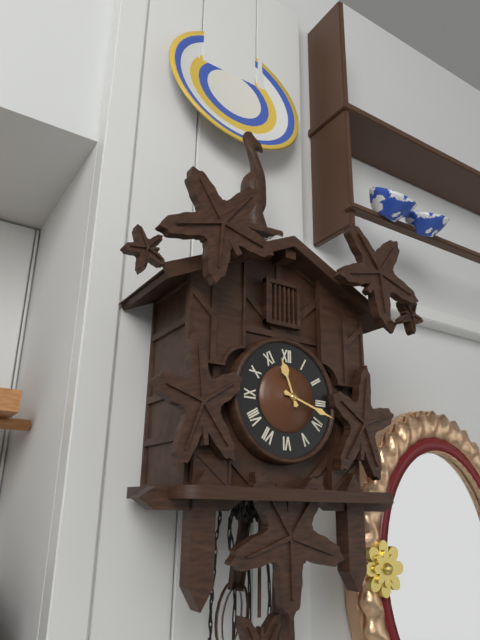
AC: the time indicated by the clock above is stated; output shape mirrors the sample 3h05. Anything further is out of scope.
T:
11h18
